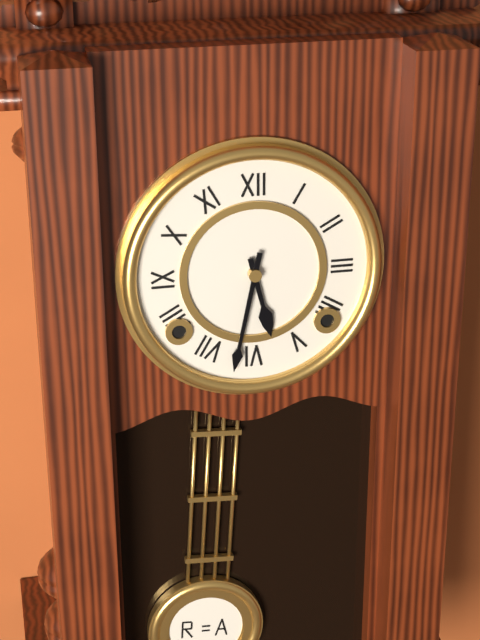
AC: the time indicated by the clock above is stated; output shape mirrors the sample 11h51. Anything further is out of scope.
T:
5h32
